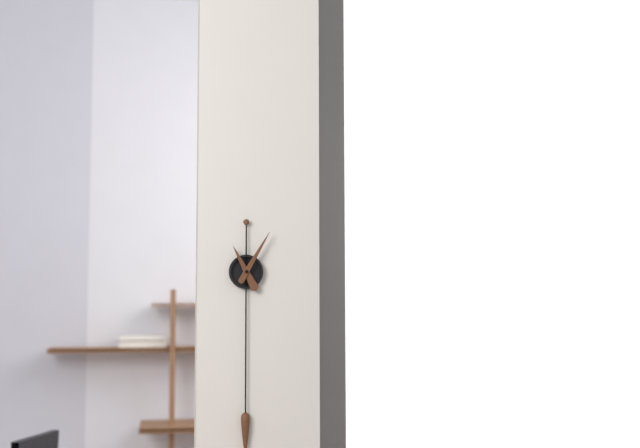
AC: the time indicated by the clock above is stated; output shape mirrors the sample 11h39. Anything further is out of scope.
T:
11h05
